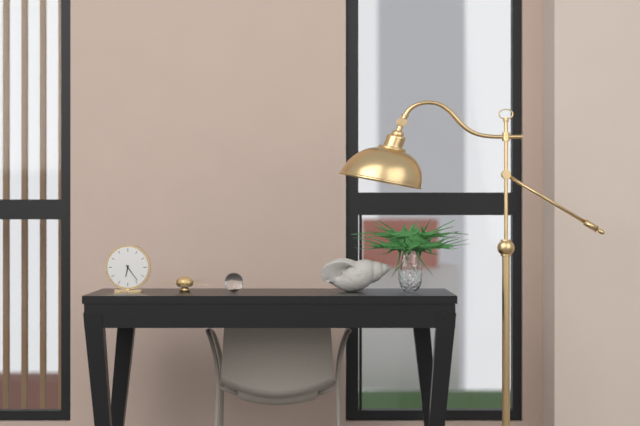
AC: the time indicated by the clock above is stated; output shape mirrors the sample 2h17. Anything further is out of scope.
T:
6h24
